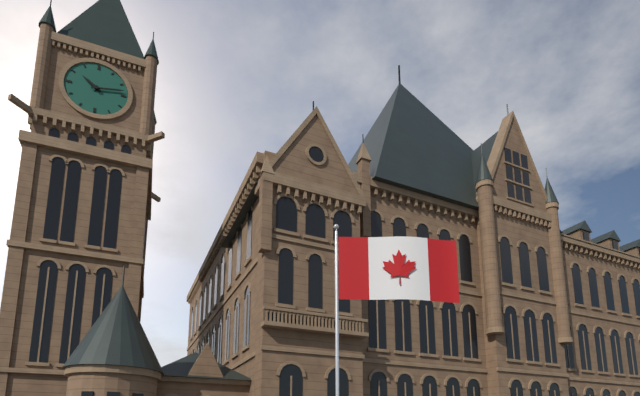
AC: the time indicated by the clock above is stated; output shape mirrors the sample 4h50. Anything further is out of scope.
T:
10h13
